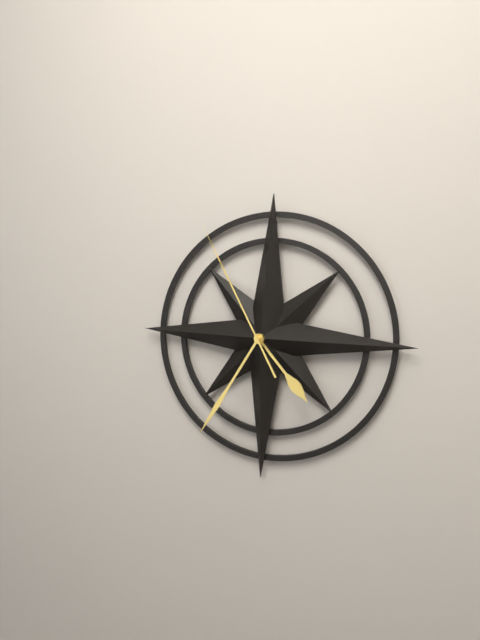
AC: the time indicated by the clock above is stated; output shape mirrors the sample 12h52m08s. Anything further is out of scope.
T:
4h35m55s
